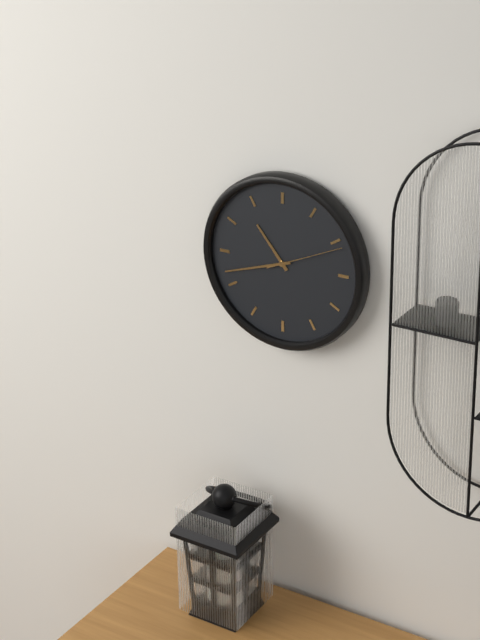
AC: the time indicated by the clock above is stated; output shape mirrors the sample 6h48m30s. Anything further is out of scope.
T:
10h42m11s
